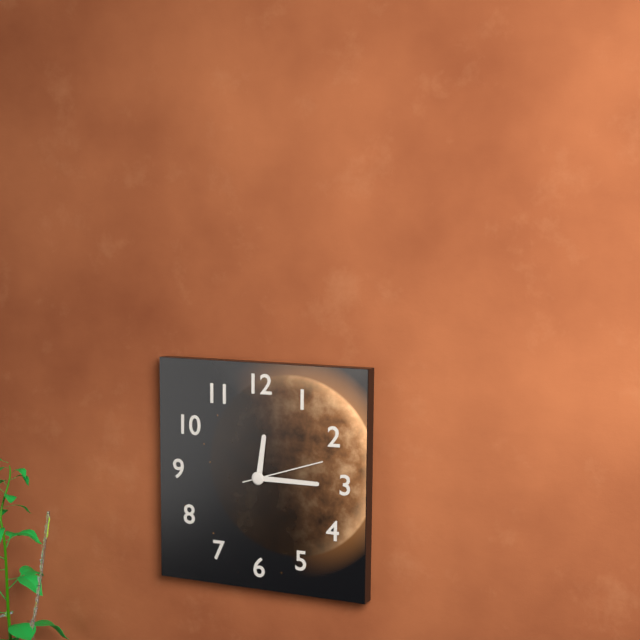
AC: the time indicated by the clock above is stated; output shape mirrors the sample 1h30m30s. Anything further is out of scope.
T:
12h15m12s
